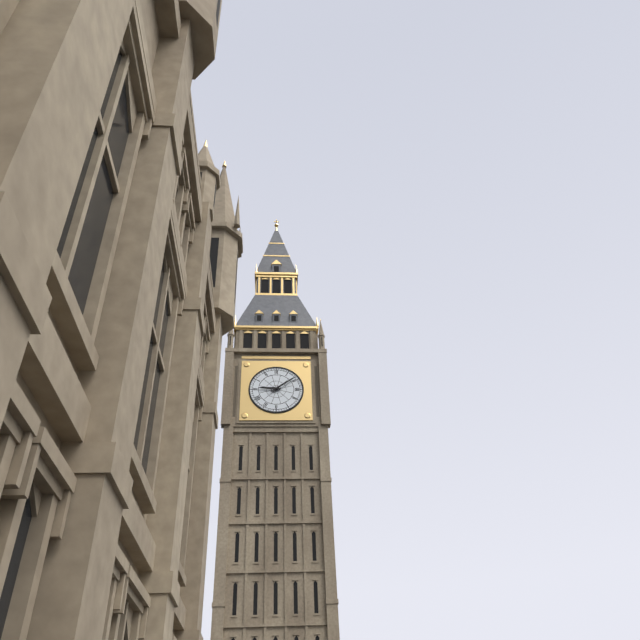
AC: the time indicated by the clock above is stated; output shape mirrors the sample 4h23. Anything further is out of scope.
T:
9h09
